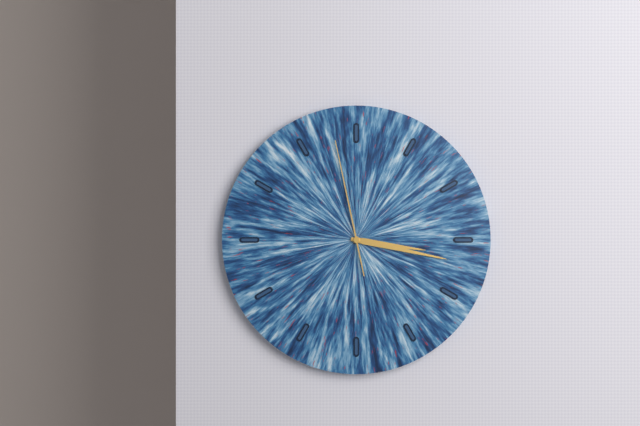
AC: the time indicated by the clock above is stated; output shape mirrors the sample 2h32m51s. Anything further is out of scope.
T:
3h17m58s
